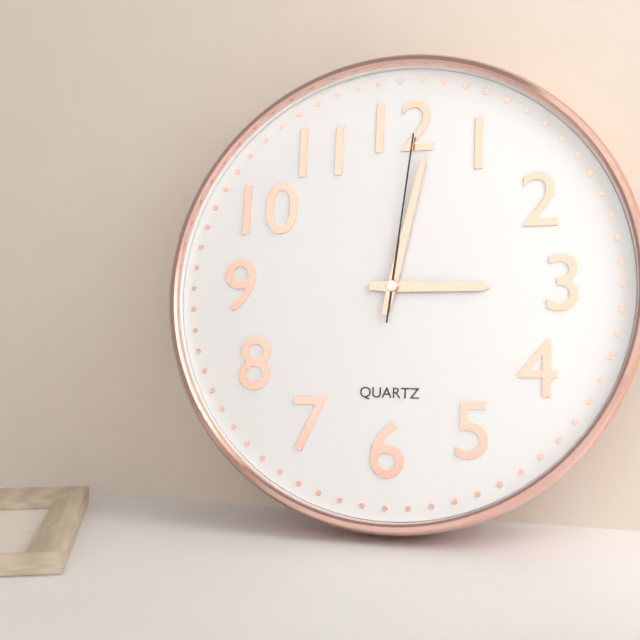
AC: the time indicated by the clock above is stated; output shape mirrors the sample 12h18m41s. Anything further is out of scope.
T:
3h02m01s
